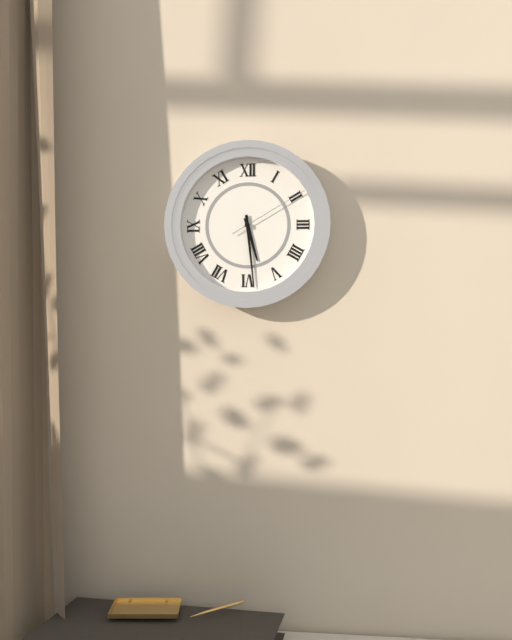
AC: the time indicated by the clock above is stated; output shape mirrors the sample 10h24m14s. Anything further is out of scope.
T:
5h29m10s
